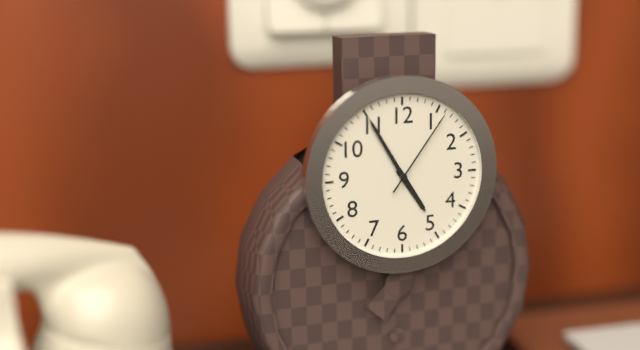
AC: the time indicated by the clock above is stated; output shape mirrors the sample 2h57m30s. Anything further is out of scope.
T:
4h55m06s
